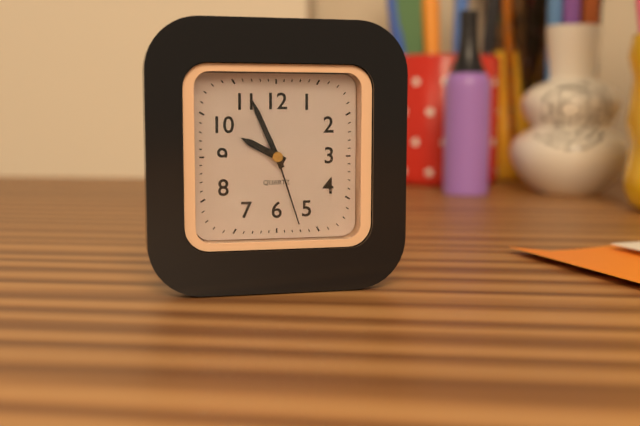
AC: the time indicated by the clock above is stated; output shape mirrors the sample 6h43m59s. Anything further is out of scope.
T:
9h56m27s
